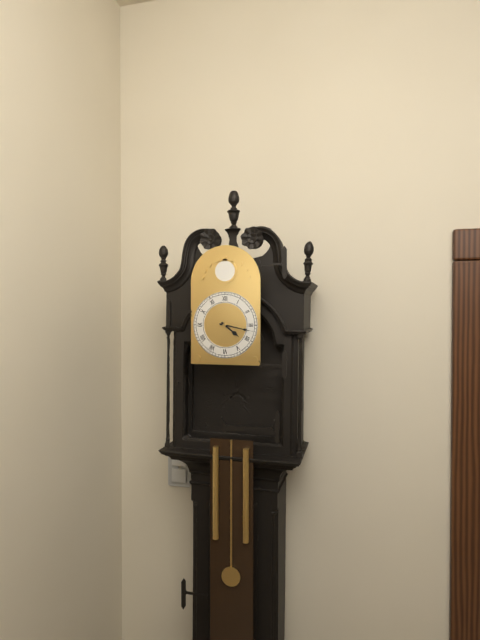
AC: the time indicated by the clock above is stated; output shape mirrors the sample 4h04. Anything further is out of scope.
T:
4h17
